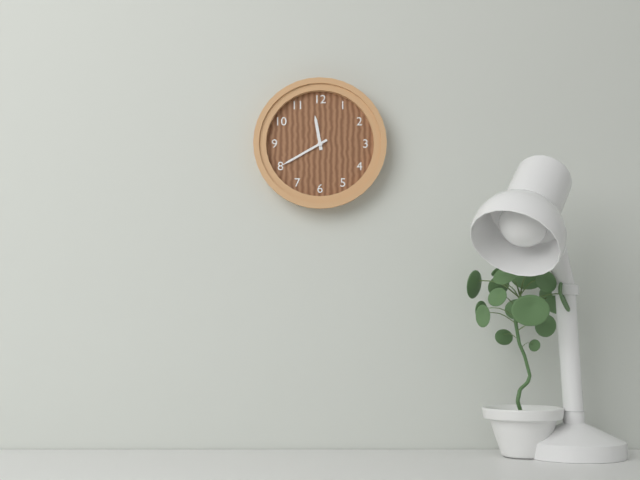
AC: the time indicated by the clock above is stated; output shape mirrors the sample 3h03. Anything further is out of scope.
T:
11h40
